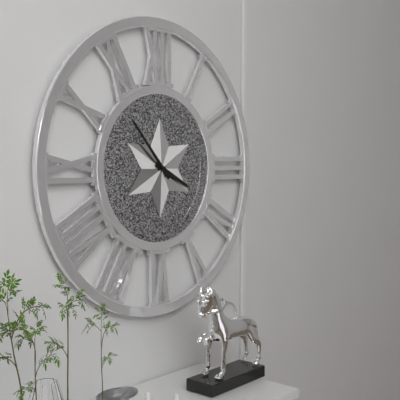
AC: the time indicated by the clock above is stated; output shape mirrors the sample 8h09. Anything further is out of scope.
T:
3h53
